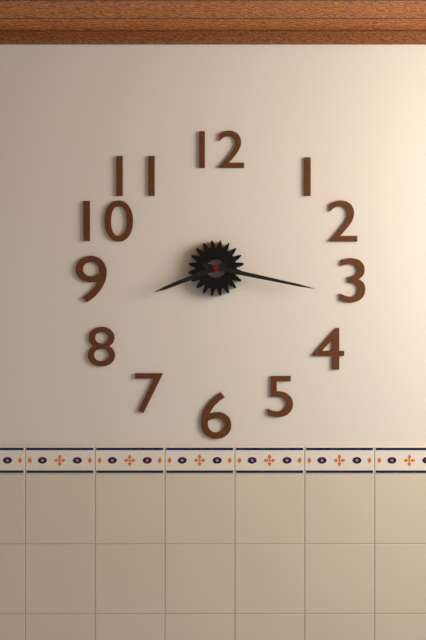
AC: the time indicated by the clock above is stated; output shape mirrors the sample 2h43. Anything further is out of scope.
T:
8h17
